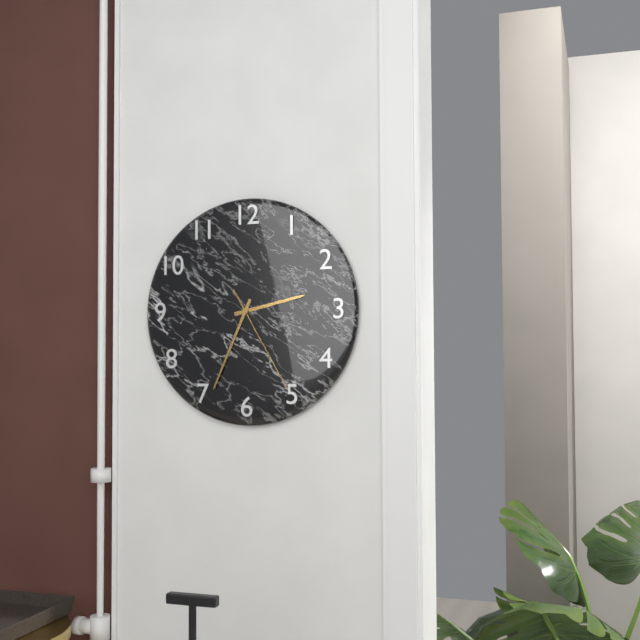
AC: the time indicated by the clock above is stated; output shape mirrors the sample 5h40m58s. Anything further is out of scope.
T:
2h34m25s
